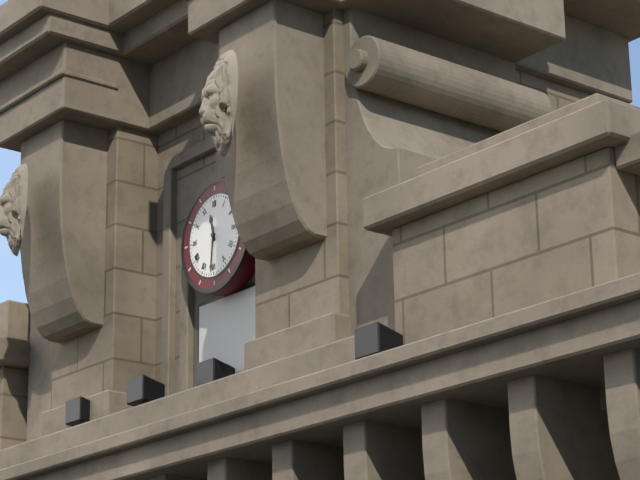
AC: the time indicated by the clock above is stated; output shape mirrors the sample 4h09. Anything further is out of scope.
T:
11h31
